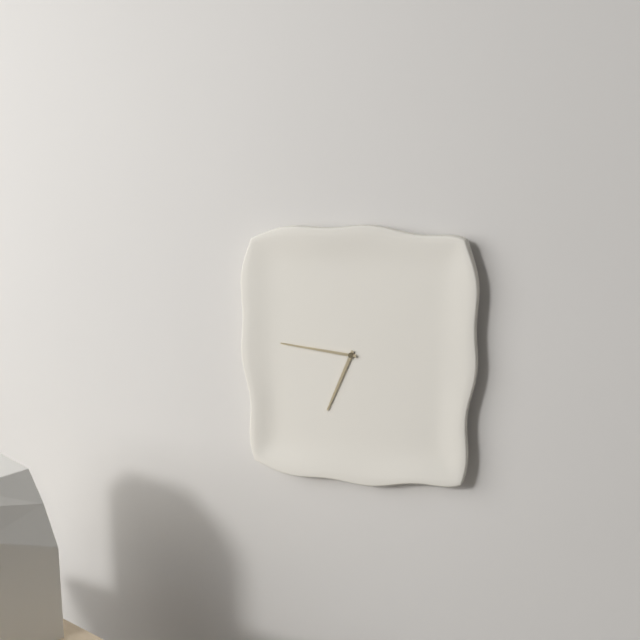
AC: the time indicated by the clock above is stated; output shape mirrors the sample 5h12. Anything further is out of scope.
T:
6h46
